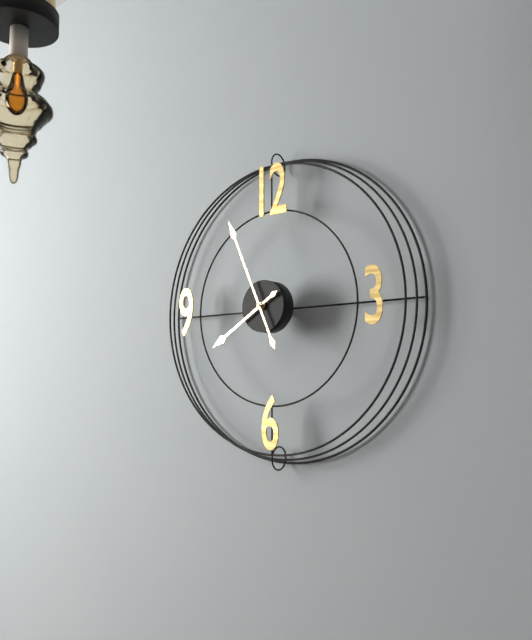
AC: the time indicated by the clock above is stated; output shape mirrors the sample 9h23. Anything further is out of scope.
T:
7h56
